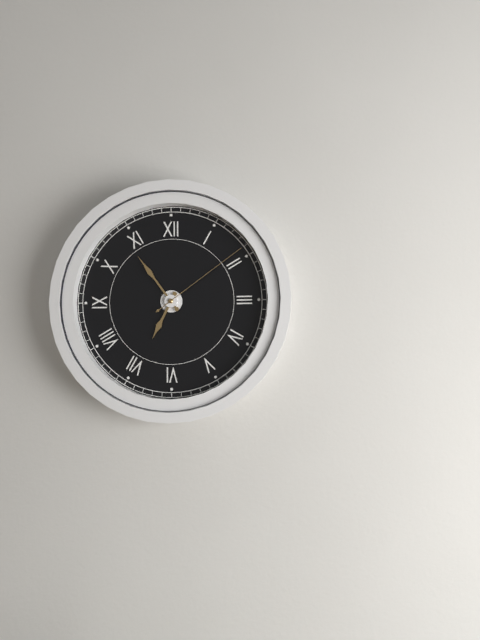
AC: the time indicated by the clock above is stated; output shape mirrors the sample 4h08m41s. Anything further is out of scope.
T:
6h54m09s
